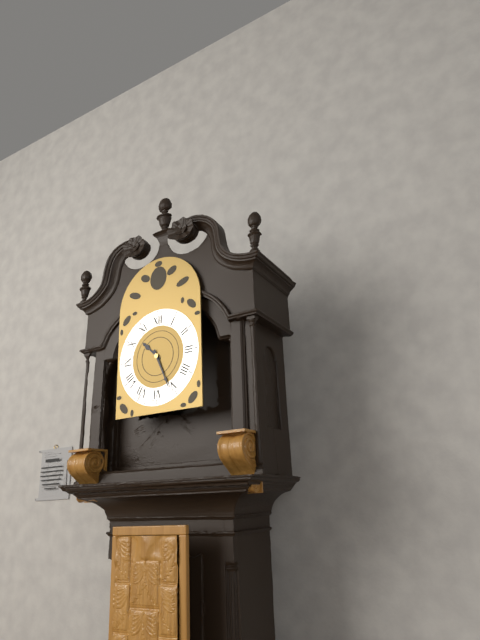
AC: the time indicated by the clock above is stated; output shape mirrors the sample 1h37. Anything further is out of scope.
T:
10h26
